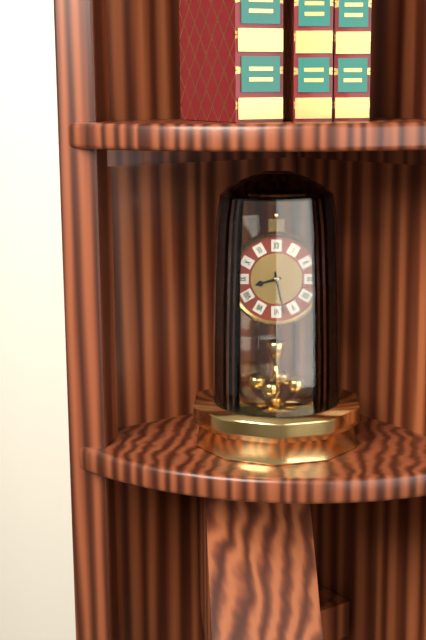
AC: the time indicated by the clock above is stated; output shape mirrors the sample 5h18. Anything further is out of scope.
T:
8h28
